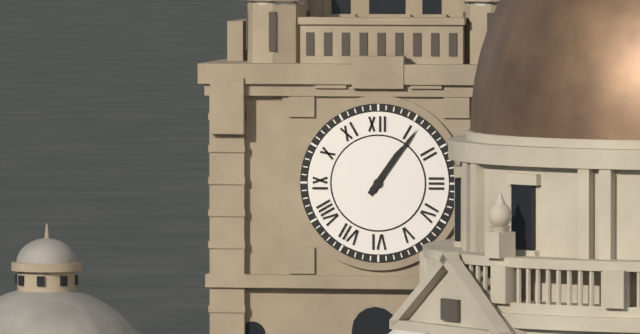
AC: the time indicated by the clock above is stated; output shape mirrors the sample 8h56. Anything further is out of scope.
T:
1h06
